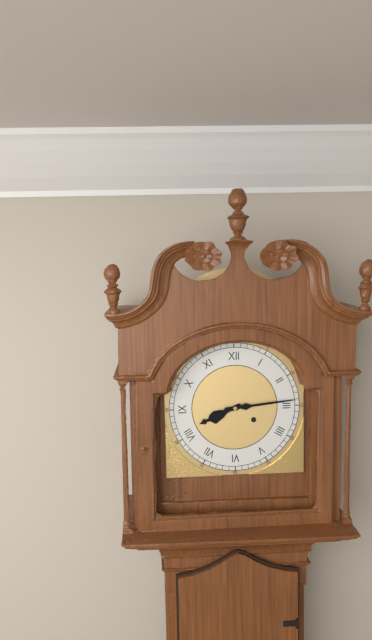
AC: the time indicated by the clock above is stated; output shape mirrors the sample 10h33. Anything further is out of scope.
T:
8h14
